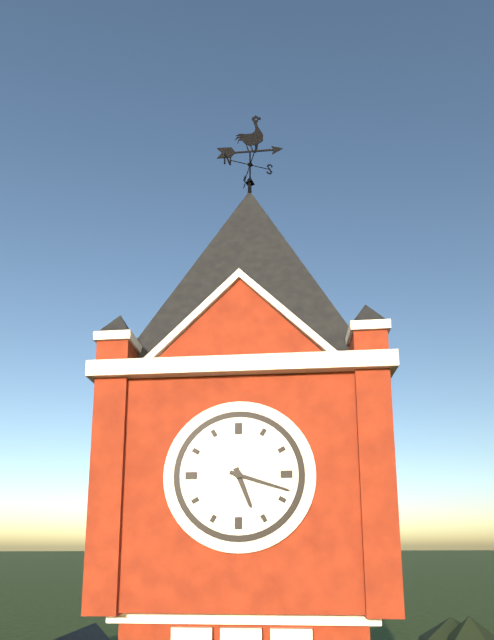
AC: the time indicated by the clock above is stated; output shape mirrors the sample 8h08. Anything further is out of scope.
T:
5h18
